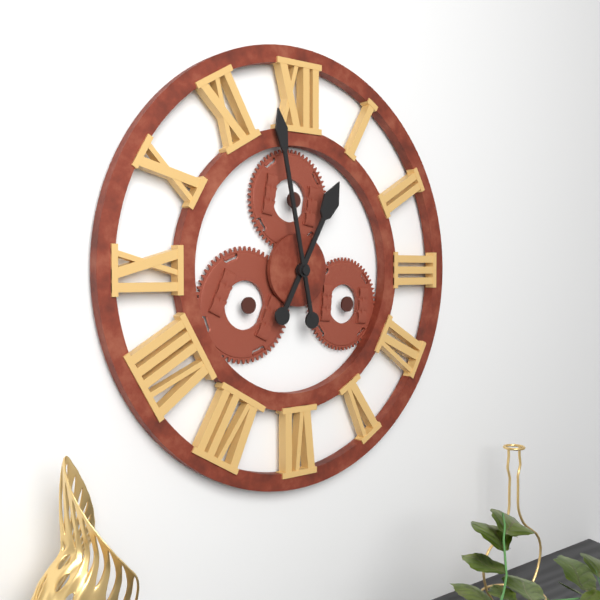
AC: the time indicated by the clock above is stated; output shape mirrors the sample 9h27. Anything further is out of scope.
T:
12h58
